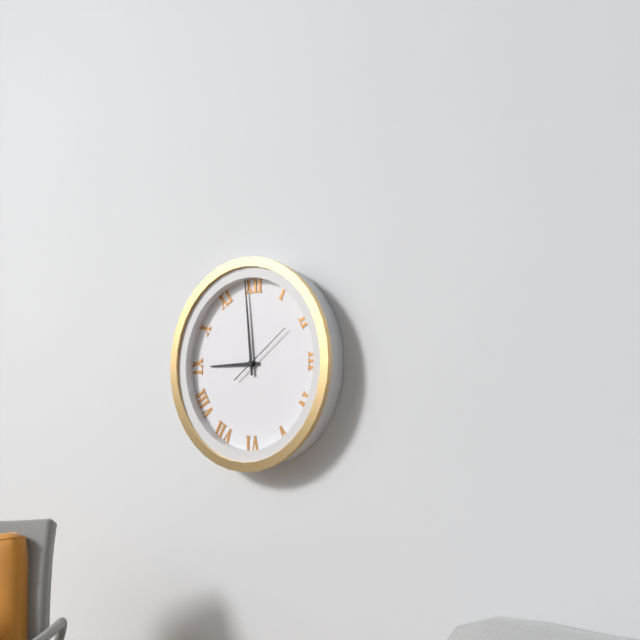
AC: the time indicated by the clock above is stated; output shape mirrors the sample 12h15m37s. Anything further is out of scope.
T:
8h59m09s
